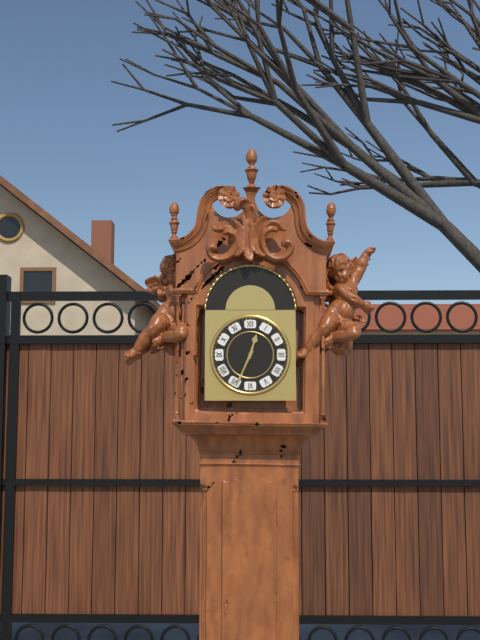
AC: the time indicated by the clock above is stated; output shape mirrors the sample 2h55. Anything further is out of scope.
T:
12h34
